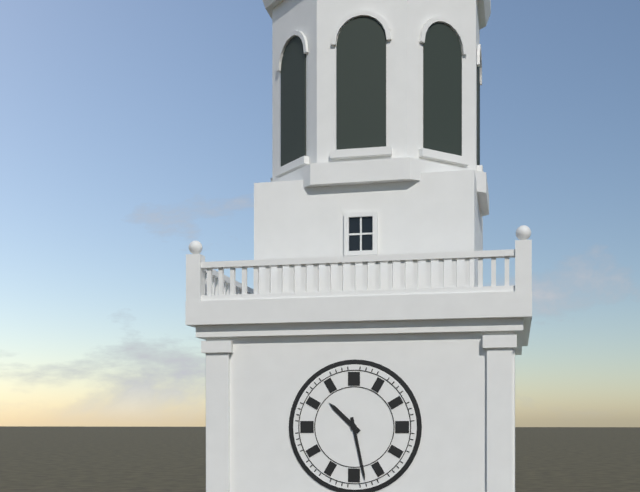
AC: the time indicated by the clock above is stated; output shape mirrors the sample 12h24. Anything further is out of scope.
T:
10h28
